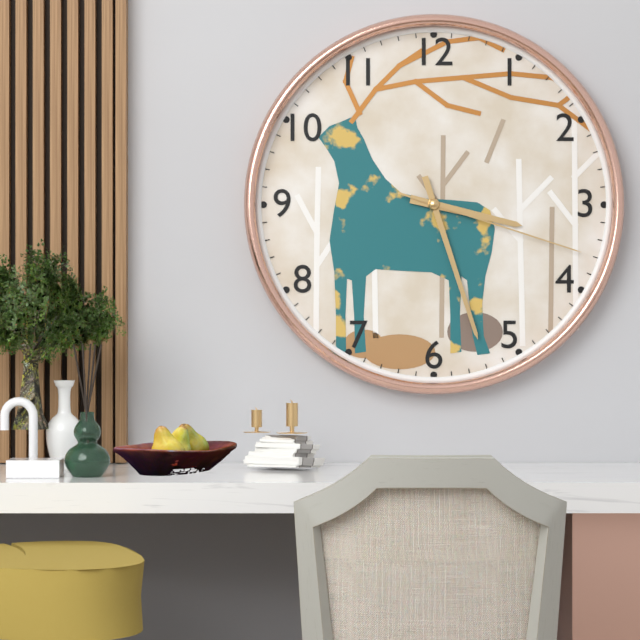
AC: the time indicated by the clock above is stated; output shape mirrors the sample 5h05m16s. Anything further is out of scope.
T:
3h27m18s
